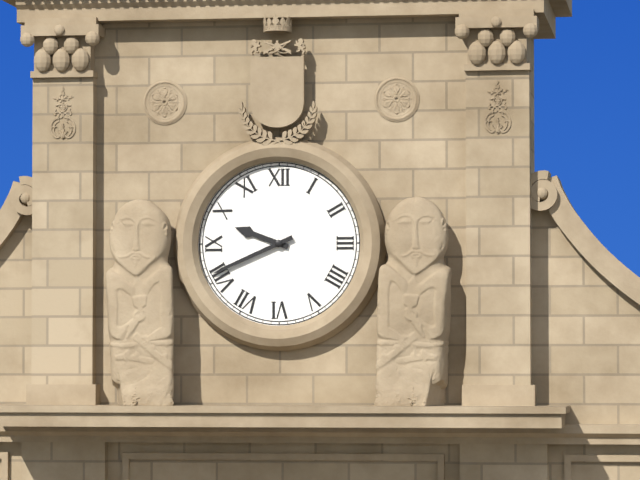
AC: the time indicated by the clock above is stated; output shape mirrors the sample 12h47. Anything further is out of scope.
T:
9h41
